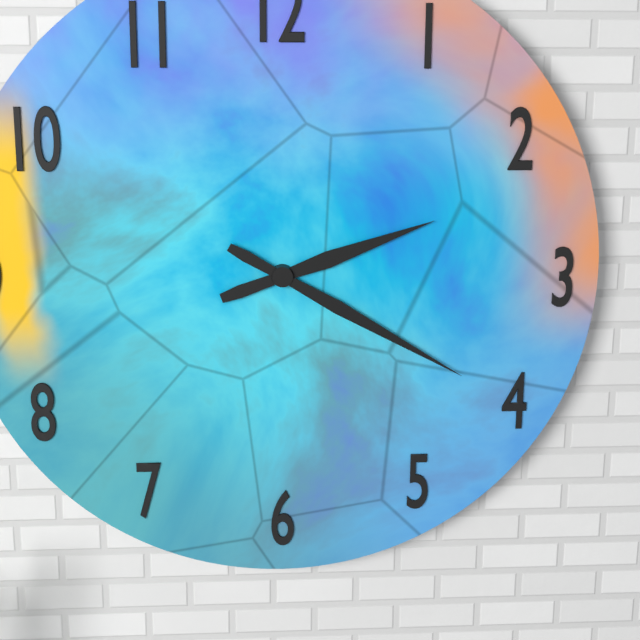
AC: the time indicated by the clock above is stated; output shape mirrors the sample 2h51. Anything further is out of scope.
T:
2h20
